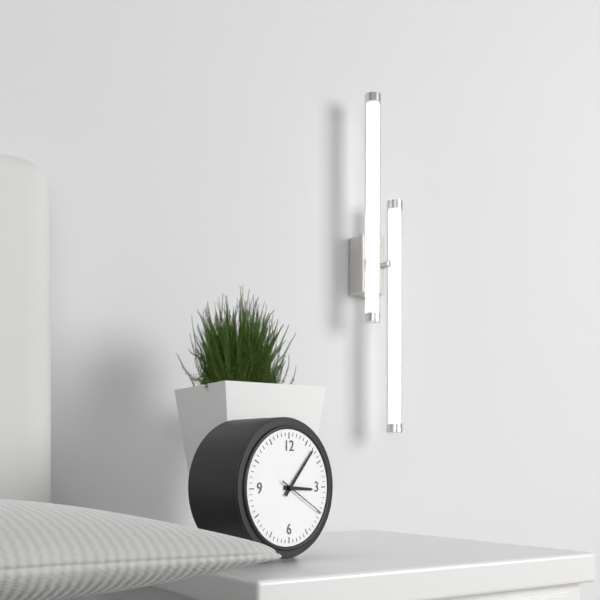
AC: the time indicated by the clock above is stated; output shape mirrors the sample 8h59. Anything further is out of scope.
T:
3h07
